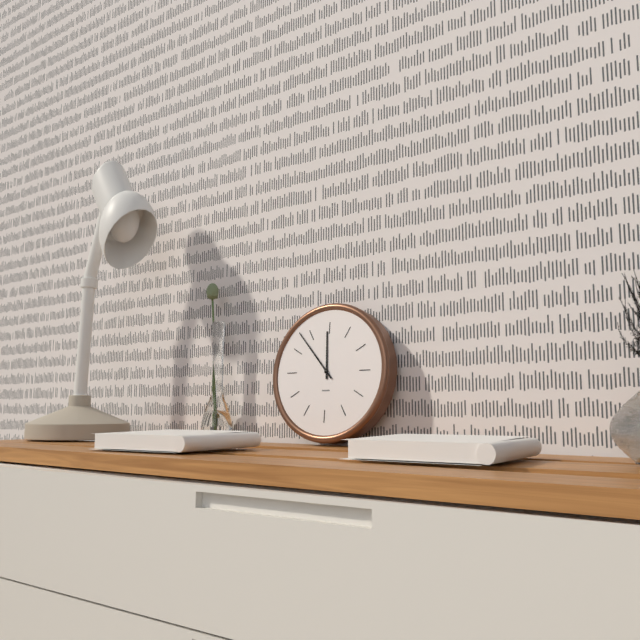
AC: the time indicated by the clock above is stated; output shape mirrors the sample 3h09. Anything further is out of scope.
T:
11h53
